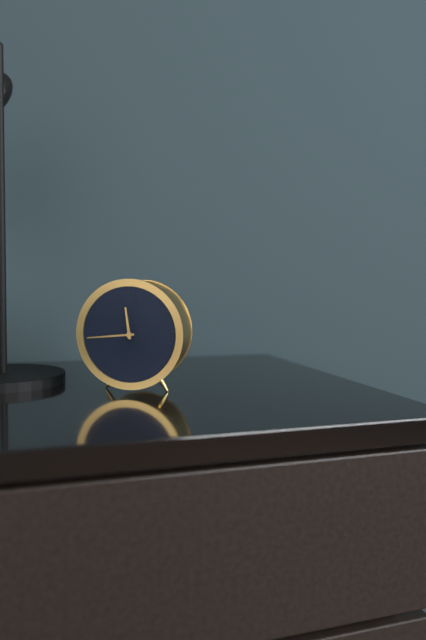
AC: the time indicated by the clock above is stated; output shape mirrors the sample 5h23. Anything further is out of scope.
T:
11h44
